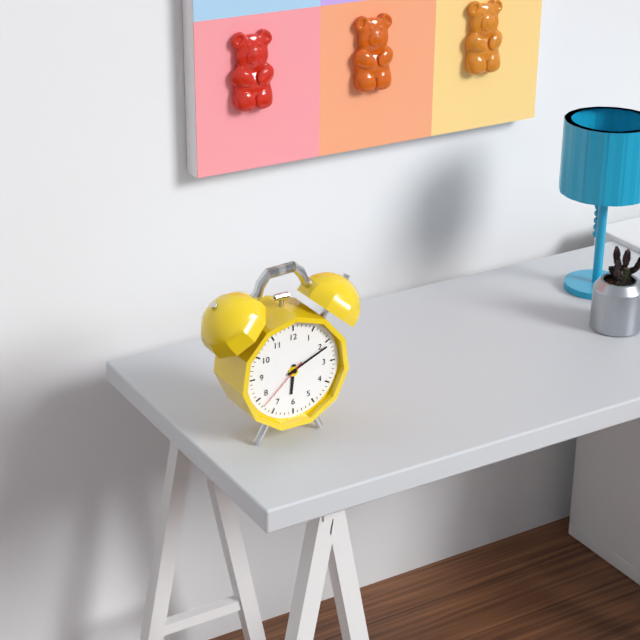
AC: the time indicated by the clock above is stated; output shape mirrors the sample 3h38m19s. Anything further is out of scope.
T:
6h11m38s
